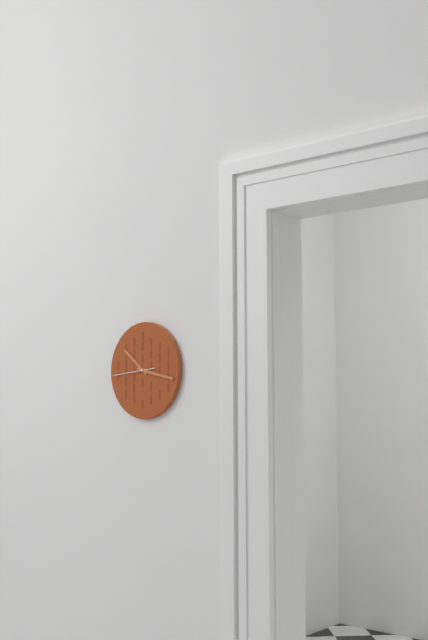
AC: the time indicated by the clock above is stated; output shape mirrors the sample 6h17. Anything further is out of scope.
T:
10h17
